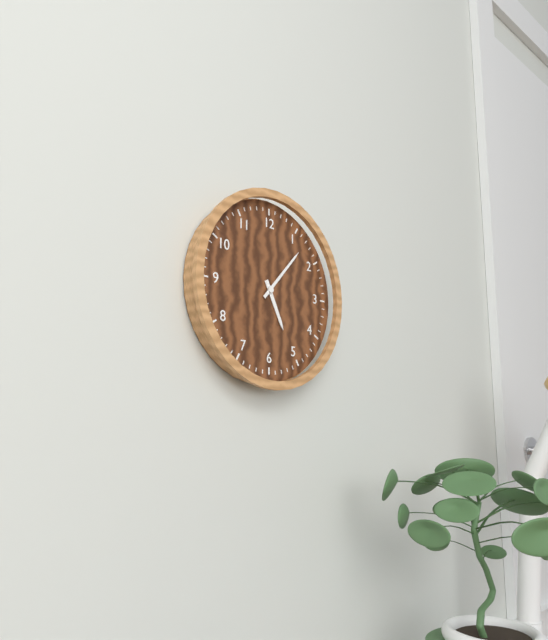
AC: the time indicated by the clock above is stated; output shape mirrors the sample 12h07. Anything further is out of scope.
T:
5h07
